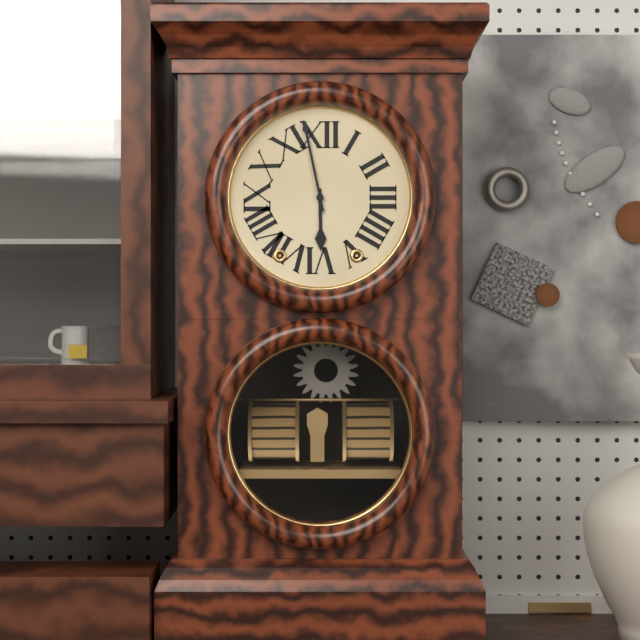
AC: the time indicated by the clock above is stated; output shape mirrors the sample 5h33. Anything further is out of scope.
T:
5h58
